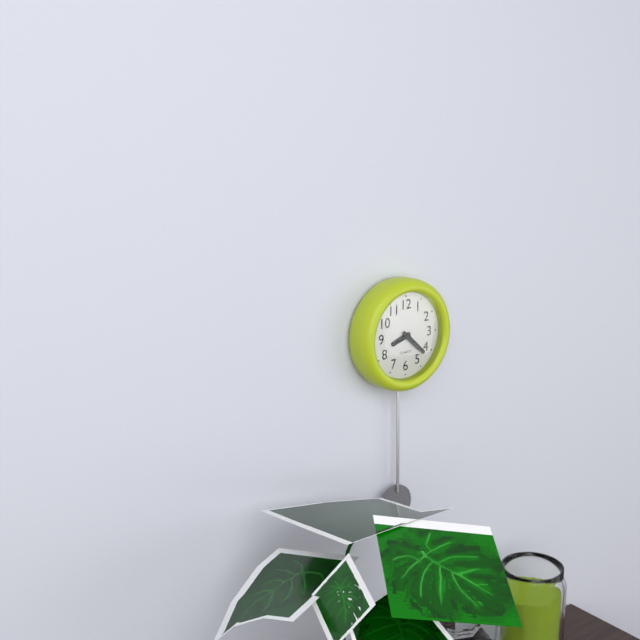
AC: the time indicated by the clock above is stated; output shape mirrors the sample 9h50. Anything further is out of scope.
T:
8h22
